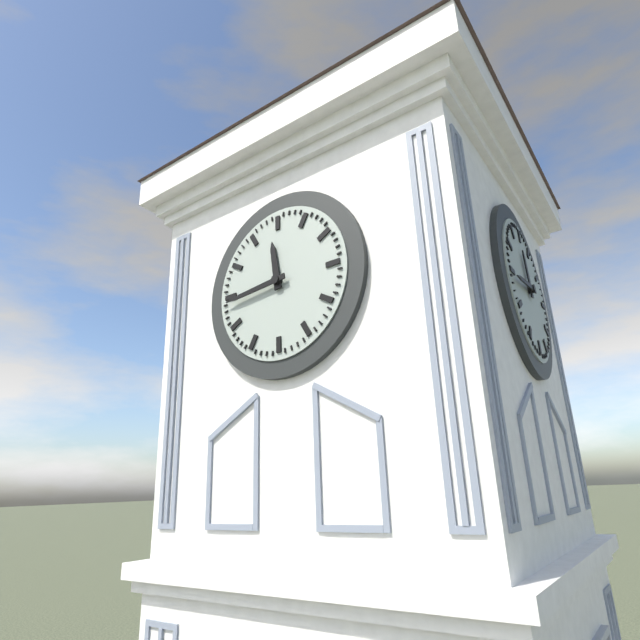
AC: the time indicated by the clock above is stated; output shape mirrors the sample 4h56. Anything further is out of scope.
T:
11h44
